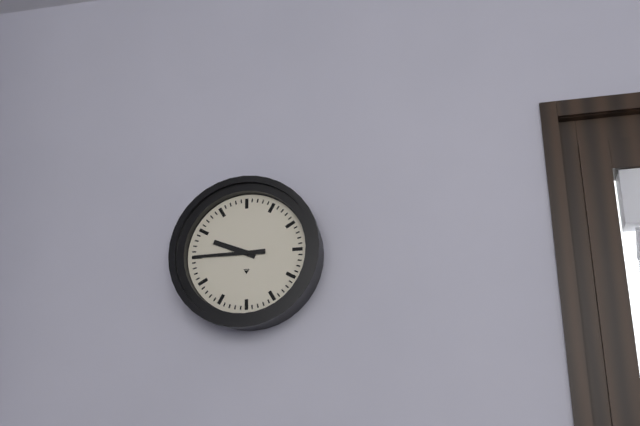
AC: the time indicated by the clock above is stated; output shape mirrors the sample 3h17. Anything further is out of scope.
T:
9h45
